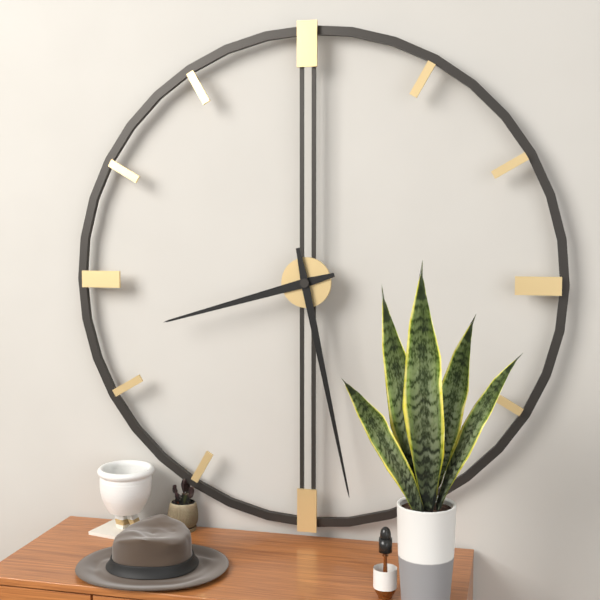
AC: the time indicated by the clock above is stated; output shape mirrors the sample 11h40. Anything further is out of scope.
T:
8h28
